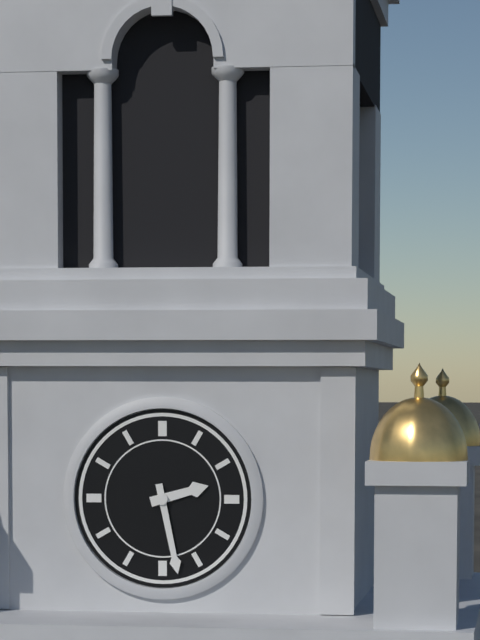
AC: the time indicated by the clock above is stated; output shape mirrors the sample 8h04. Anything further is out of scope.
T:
2h28
